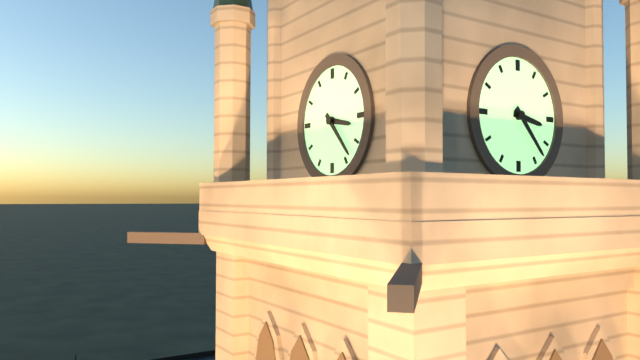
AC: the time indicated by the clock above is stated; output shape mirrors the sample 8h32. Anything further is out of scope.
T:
3h23
